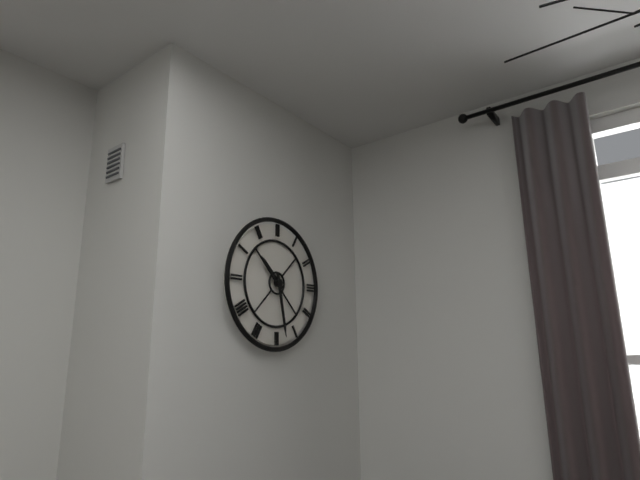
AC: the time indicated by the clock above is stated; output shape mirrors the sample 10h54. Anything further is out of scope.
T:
10h28
